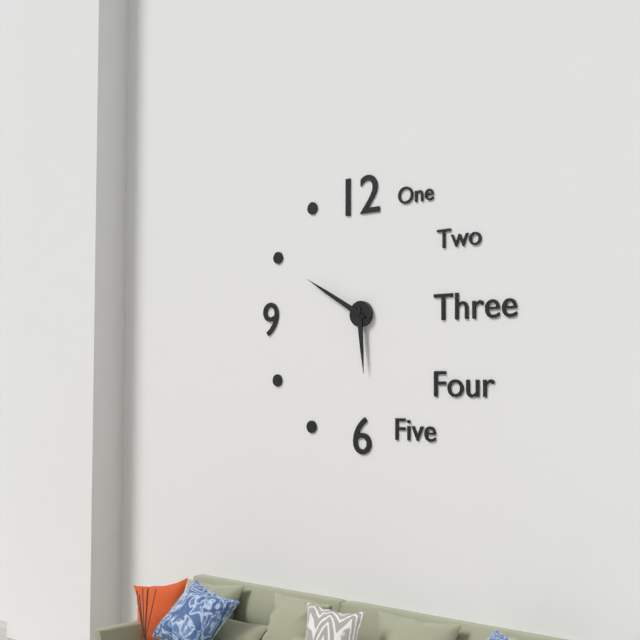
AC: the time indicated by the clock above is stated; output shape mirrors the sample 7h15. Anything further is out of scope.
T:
5h50
